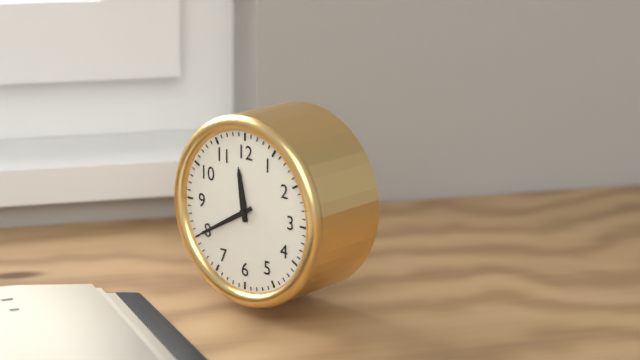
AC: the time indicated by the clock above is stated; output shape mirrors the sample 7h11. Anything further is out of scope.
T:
11h40
